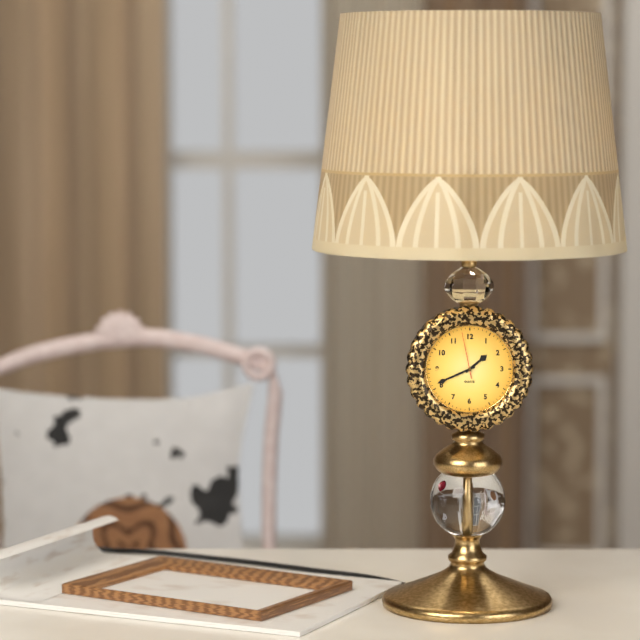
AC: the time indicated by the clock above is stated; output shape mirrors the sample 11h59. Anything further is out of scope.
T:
1h41
